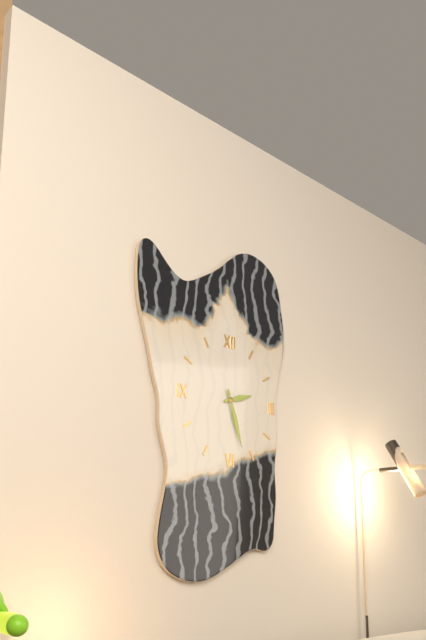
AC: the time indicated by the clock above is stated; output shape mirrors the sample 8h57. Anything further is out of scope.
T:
2h27
